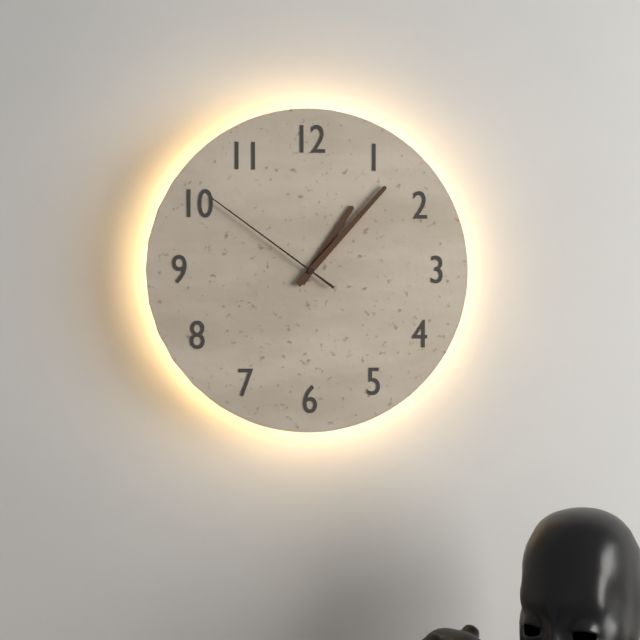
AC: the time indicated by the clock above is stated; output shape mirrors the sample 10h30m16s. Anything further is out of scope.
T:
1h07m51s
